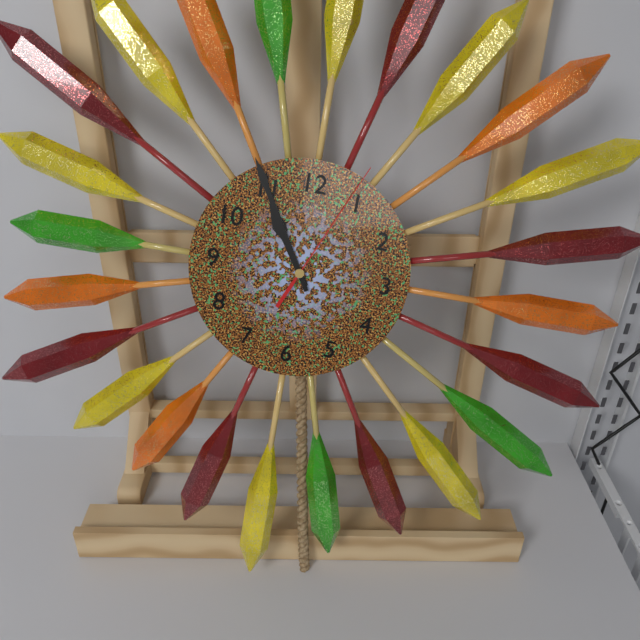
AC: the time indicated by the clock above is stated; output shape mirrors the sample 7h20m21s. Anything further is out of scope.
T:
10h55m04s
